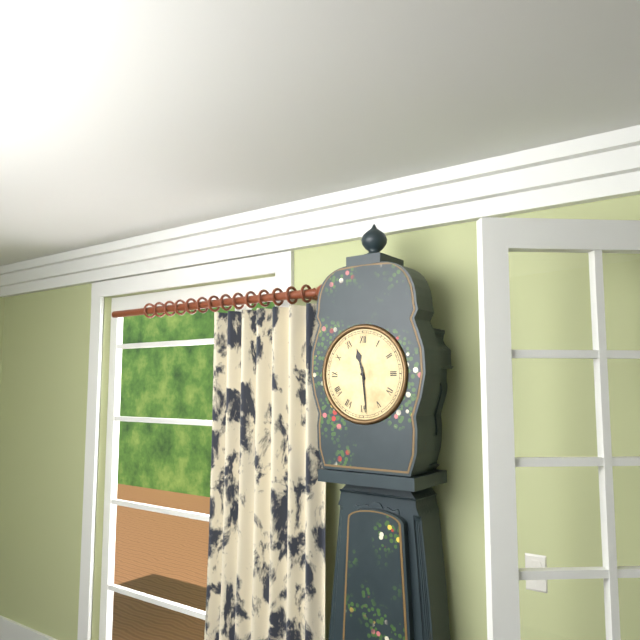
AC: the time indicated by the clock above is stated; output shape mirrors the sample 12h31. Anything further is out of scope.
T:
11h29
